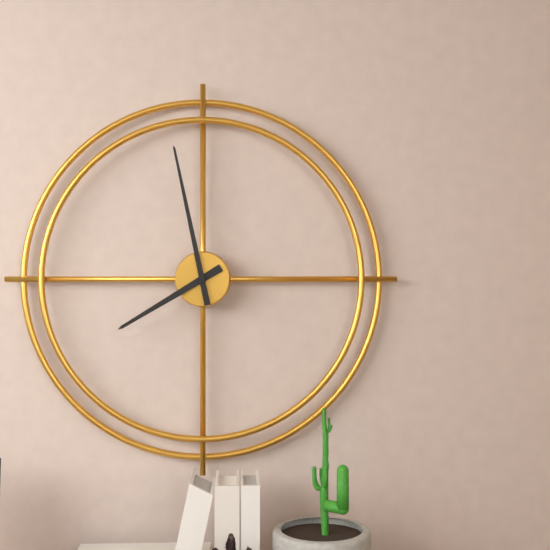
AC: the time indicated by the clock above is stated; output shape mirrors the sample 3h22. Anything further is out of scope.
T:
7h58
